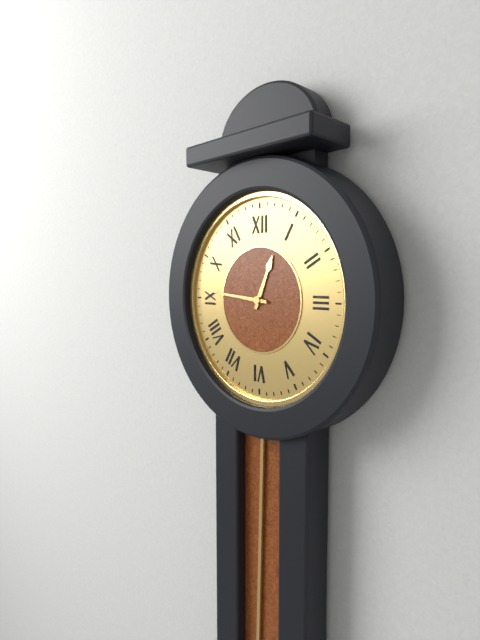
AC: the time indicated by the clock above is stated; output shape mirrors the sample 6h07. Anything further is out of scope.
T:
12h46
